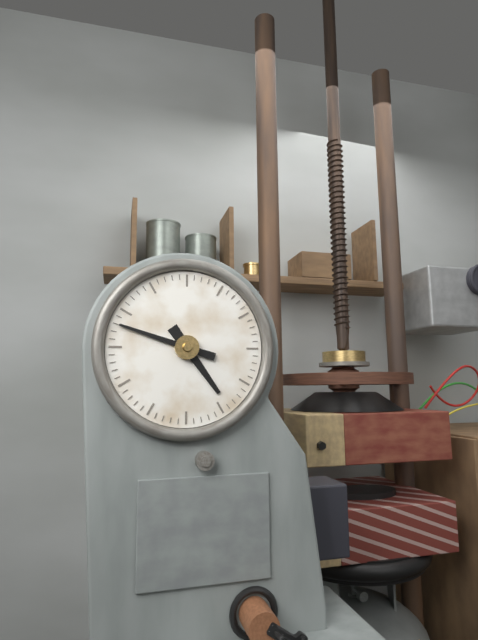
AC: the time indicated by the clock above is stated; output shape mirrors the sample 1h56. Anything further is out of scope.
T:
4h48
